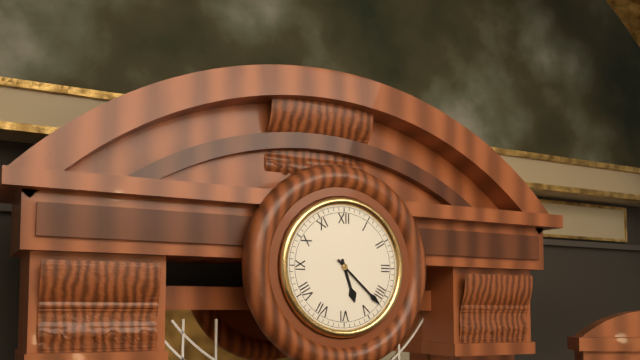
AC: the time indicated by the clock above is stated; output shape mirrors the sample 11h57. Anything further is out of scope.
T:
5h22
